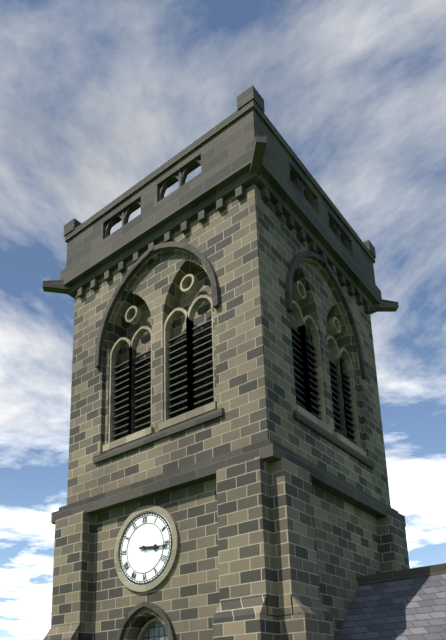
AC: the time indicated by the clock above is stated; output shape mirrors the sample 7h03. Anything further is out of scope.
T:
3h16
